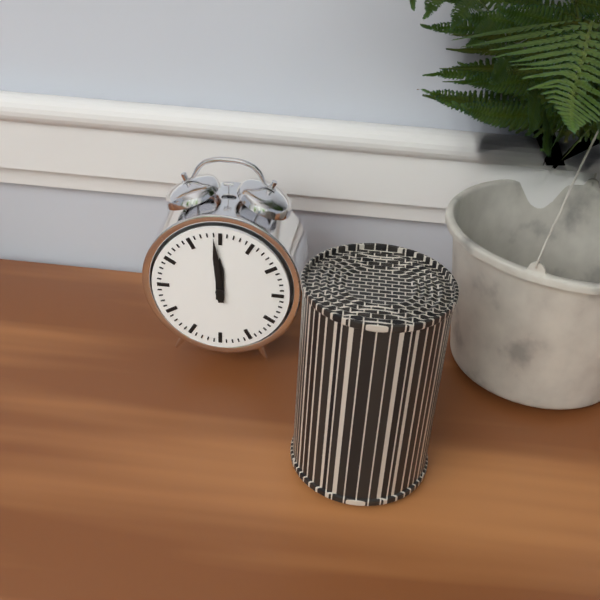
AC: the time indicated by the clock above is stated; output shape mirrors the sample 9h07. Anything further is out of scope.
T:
11h59
